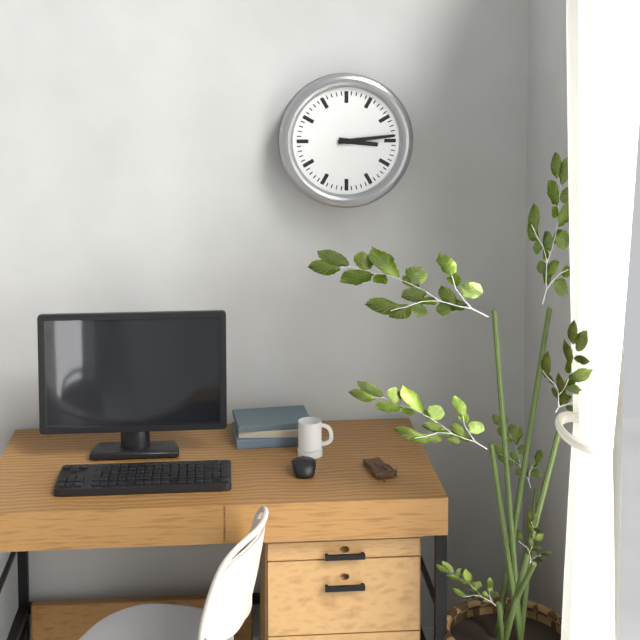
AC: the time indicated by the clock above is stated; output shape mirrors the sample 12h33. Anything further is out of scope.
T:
3h14
